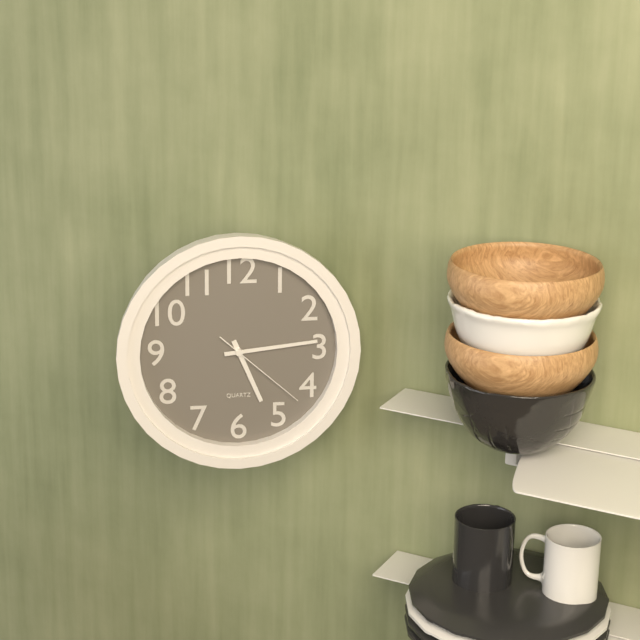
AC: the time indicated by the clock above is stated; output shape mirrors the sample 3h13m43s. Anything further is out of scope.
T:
5h14m22s
